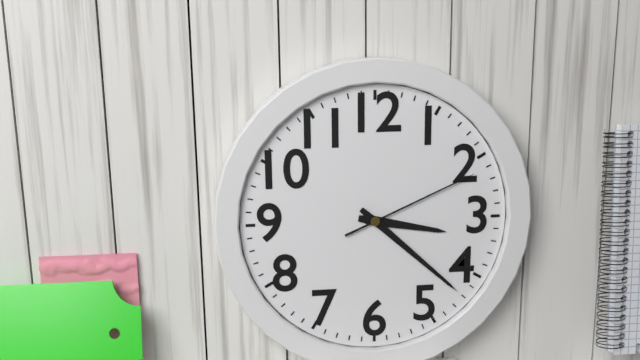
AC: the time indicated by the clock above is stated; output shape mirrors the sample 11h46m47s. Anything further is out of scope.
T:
3h22m11s
